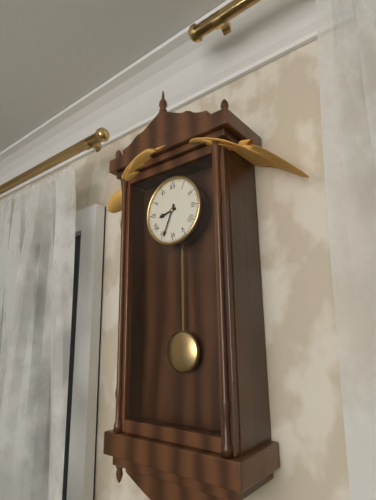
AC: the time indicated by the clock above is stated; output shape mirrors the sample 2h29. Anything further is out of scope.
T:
8h34
